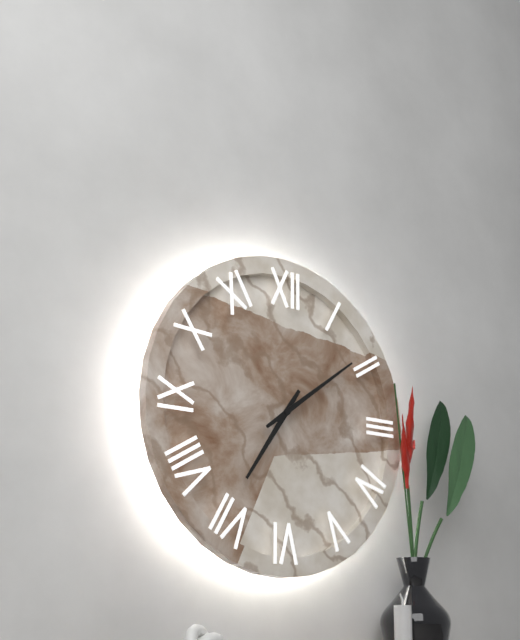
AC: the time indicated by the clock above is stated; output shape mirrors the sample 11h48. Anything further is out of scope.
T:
7h09
